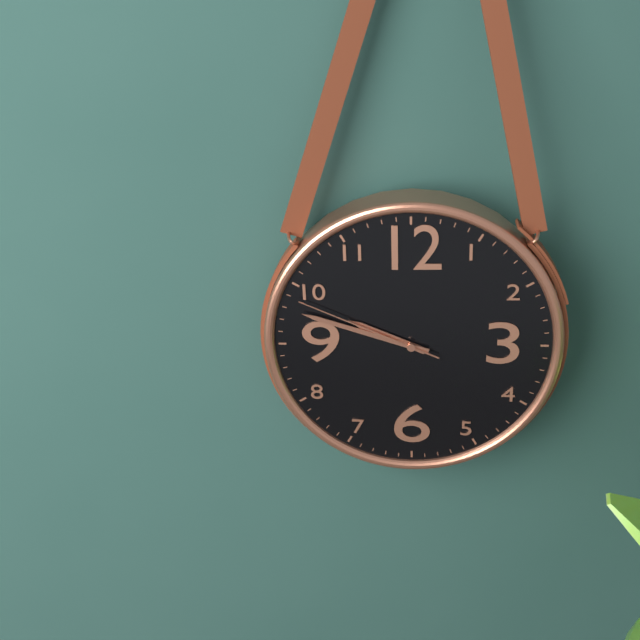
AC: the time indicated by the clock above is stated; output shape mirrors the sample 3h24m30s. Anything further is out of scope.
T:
9h48m49s
